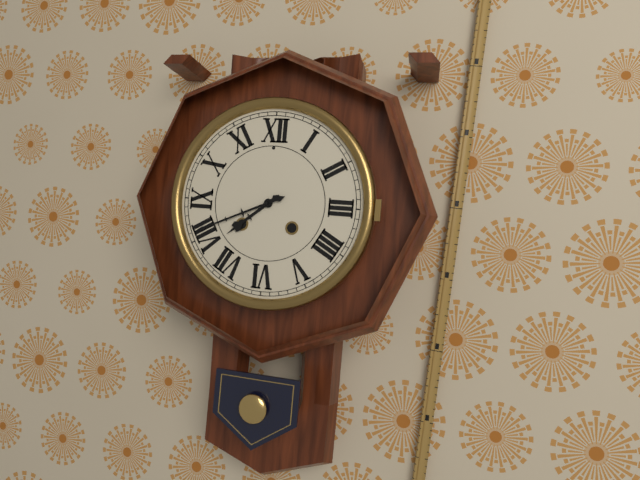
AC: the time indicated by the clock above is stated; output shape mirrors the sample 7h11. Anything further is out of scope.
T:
7h41
